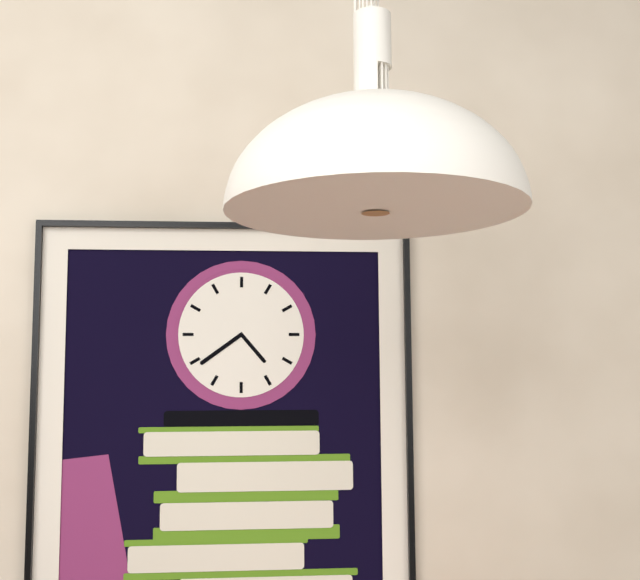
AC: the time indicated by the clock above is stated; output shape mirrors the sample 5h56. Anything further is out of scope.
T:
4h39
